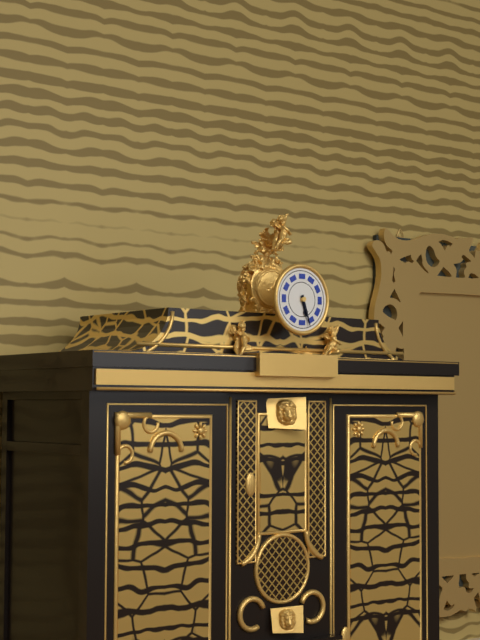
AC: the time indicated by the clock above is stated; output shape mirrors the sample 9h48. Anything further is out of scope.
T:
5h27
